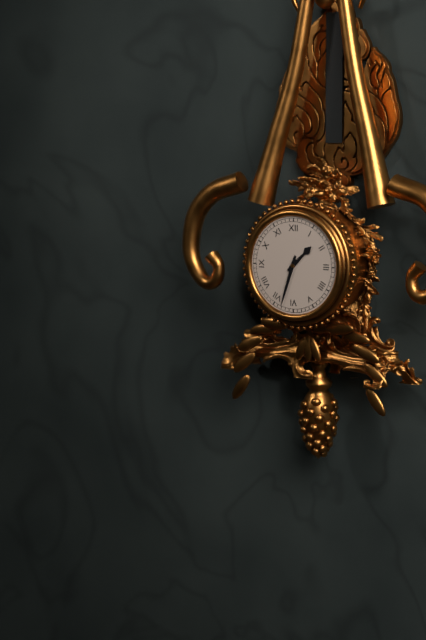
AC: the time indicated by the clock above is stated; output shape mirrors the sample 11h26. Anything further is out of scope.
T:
1h33
